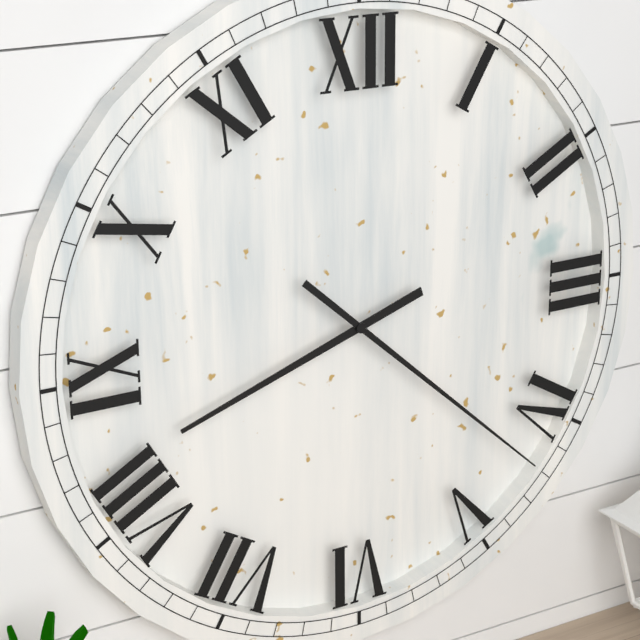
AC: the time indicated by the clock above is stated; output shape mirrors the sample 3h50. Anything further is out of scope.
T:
8h22
